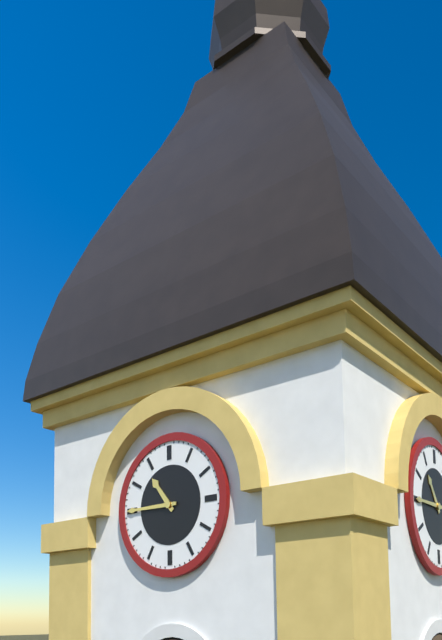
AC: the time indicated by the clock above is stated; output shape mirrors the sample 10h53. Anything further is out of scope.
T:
10h45
